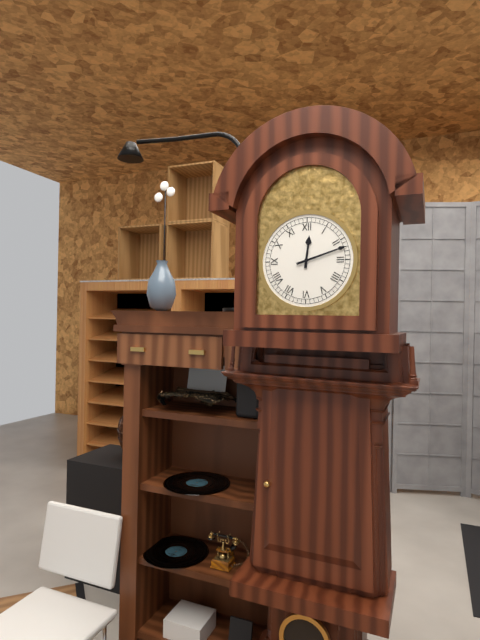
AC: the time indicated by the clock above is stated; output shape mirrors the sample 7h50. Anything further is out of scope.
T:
12h12
